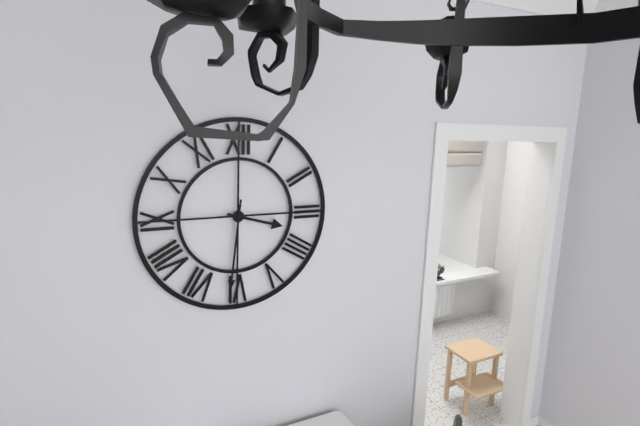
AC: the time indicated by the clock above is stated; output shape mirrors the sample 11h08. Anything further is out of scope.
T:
3h31
